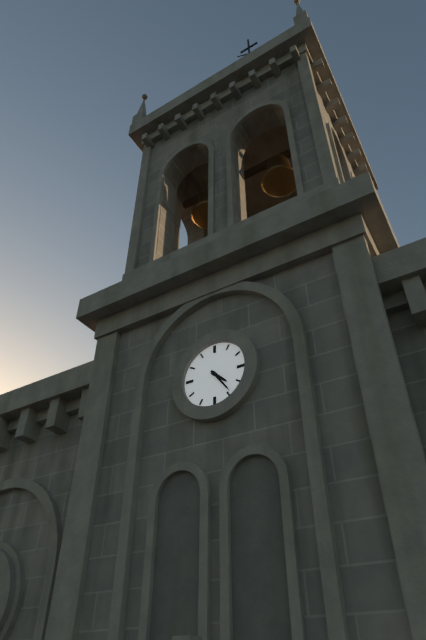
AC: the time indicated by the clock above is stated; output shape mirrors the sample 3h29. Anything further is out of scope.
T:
4h24
